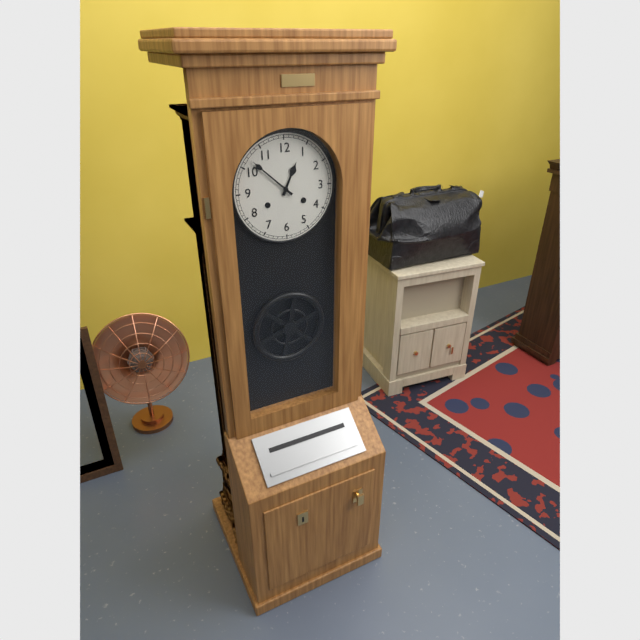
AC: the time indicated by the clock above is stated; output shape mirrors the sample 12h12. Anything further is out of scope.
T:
12h52
